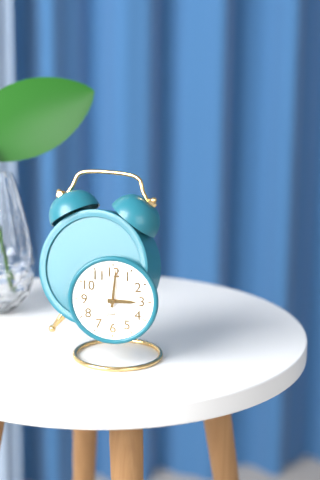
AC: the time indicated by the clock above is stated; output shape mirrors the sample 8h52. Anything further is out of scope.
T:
3h01
